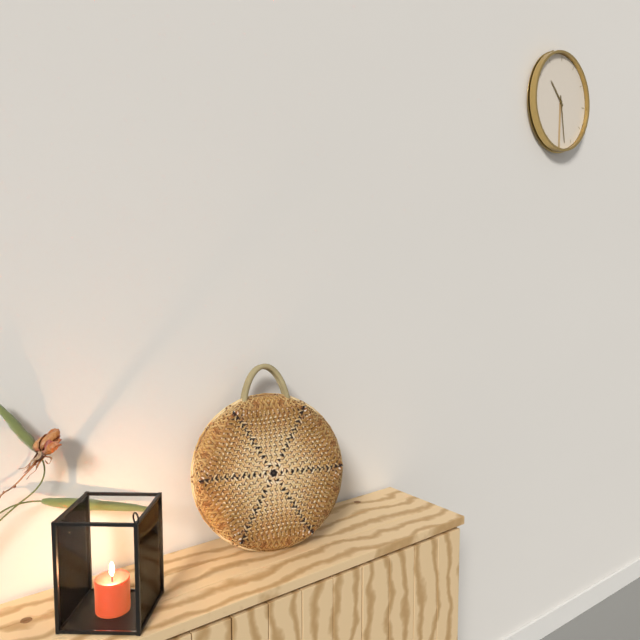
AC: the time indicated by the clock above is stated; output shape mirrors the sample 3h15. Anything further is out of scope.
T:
10h28
